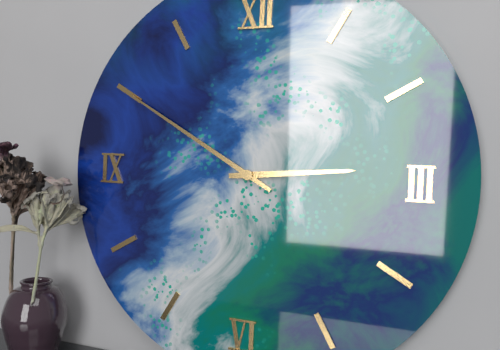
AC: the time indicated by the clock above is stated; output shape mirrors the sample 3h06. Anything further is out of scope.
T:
2h50
